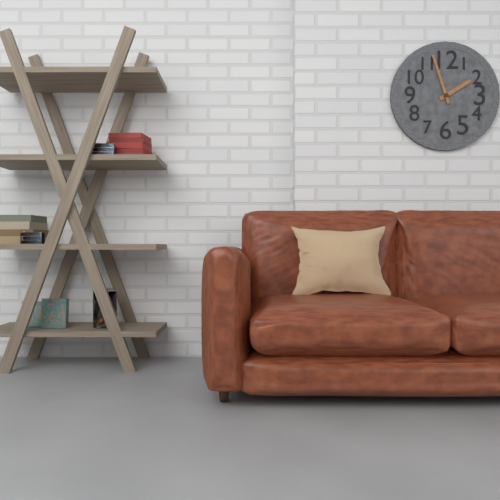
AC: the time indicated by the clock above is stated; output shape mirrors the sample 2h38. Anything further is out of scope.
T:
1h57
